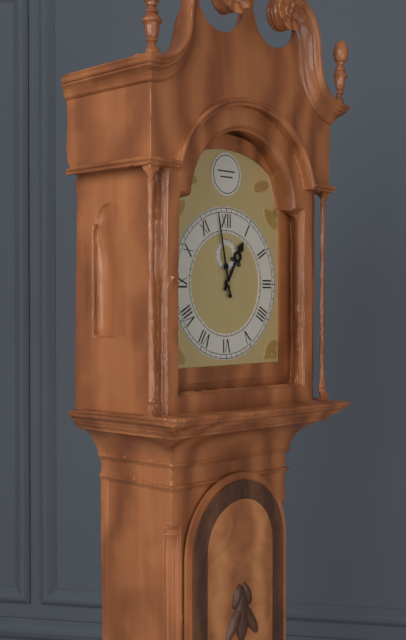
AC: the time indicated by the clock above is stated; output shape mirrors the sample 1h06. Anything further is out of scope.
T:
12h58
